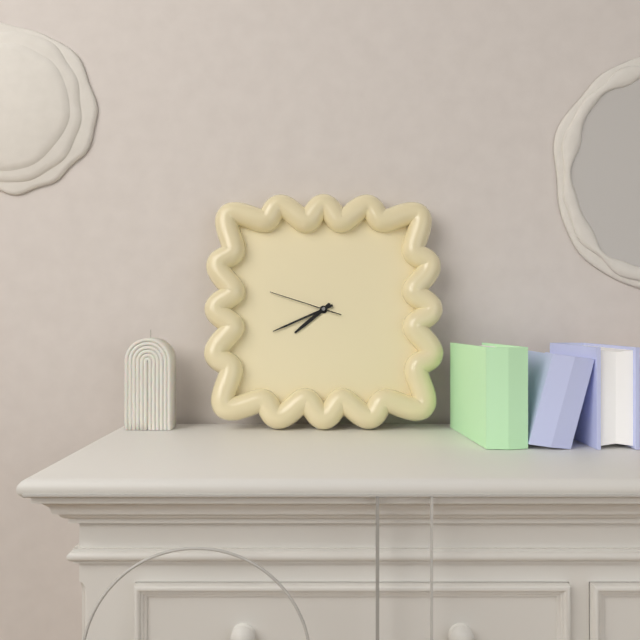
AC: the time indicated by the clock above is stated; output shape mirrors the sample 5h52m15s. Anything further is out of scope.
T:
7h41m48s
